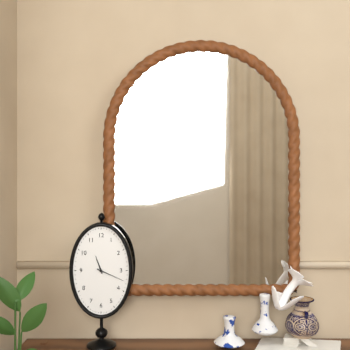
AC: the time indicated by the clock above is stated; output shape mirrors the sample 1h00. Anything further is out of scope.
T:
11h19
